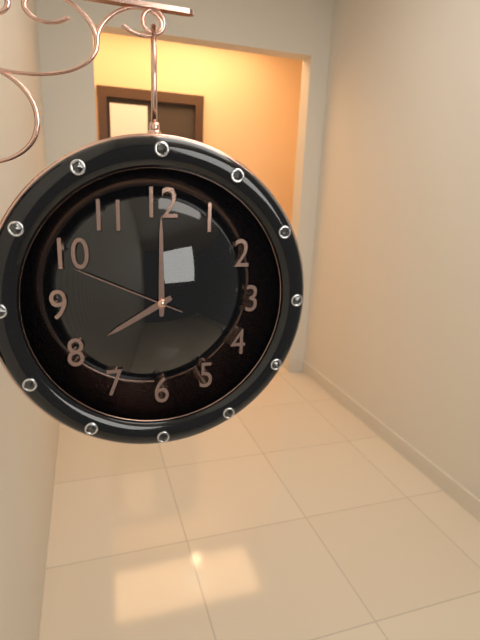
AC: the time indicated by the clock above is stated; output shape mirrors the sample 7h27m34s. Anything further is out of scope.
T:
8h00m49s
